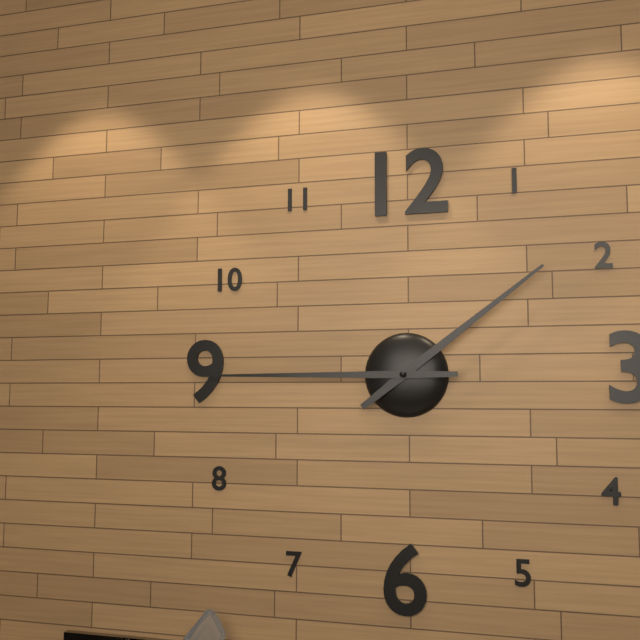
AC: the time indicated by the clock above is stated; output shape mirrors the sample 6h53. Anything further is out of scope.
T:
1h45
